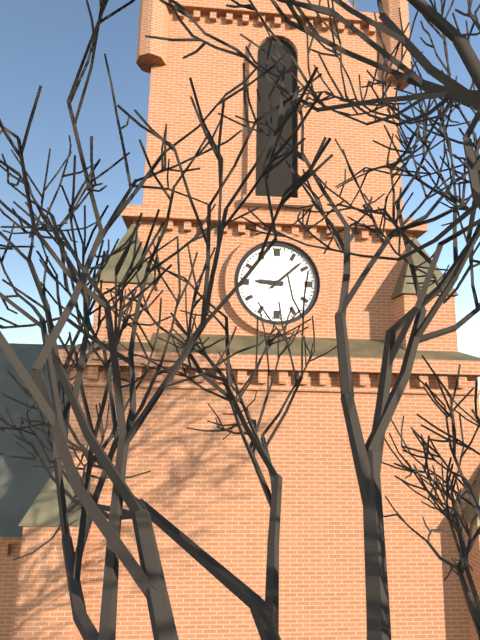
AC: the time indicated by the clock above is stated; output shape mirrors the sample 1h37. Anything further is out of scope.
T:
9h08
